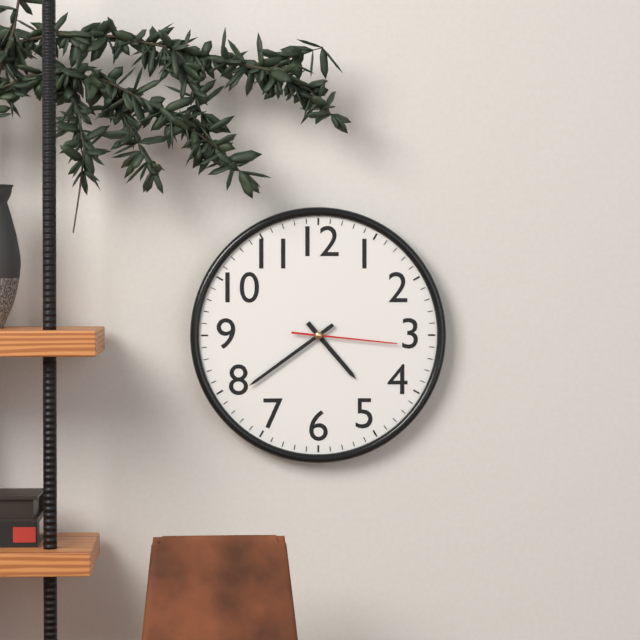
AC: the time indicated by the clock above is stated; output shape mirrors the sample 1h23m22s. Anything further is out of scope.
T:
4h39m16s
